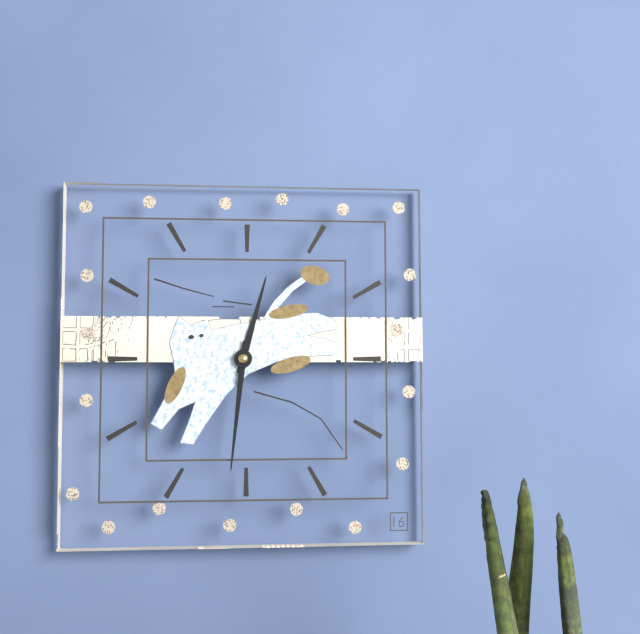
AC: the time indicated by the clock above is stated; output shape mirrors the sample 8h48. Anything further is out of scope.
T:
12h31
